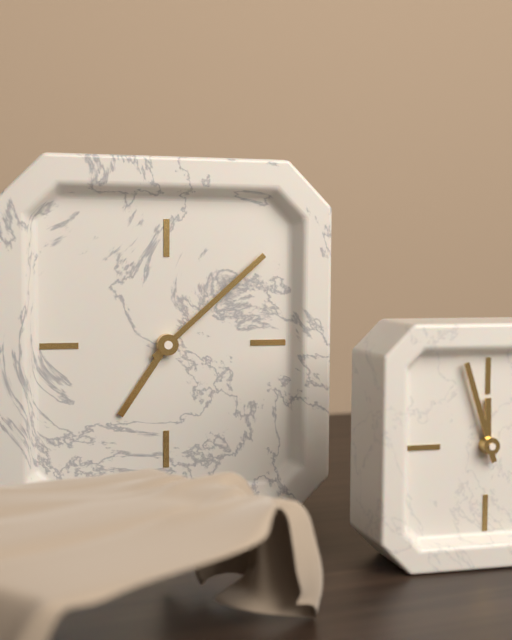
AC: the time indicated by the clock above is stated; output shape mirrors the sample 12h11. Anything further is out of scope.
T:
7h08
